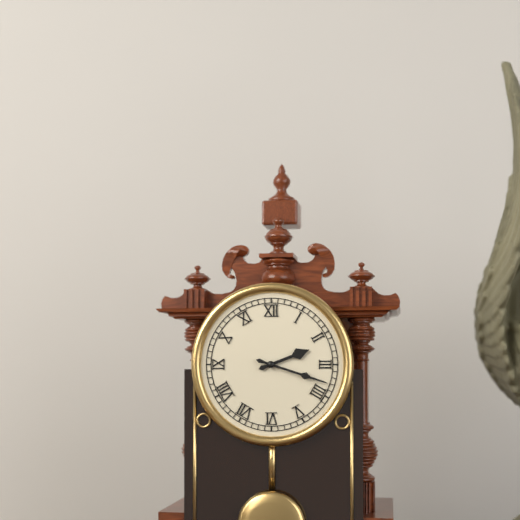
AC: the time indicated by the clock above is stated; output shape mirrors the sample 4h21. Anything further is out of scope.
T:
2h18
